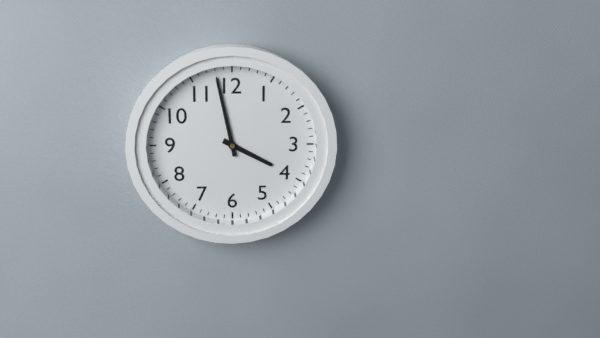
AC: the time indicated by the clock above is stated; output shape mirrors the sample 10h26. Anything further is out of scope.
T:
3h58
